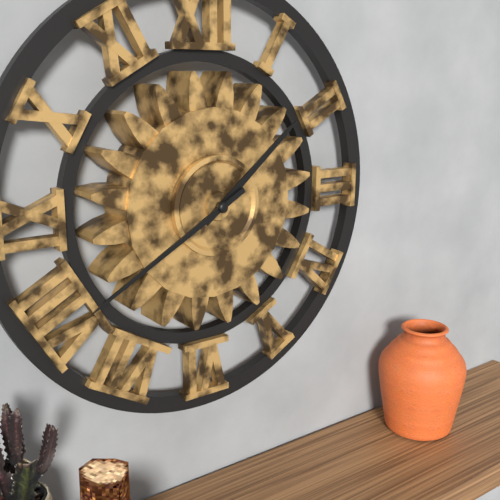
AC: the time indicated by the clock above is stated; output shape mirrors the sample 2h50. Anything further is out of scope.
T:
1h40
